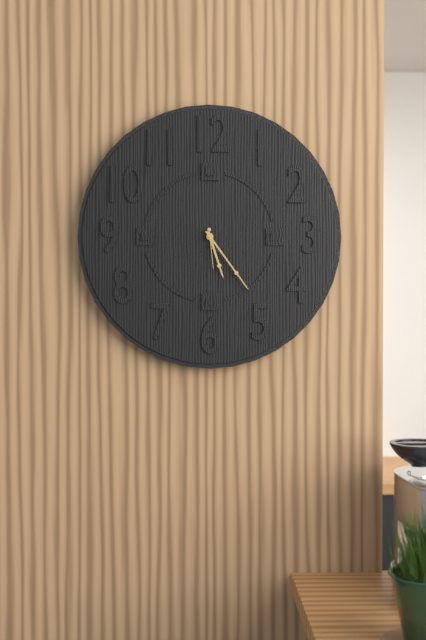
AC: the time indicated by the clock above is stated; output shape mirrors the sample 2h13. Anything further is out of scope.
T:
5h24
